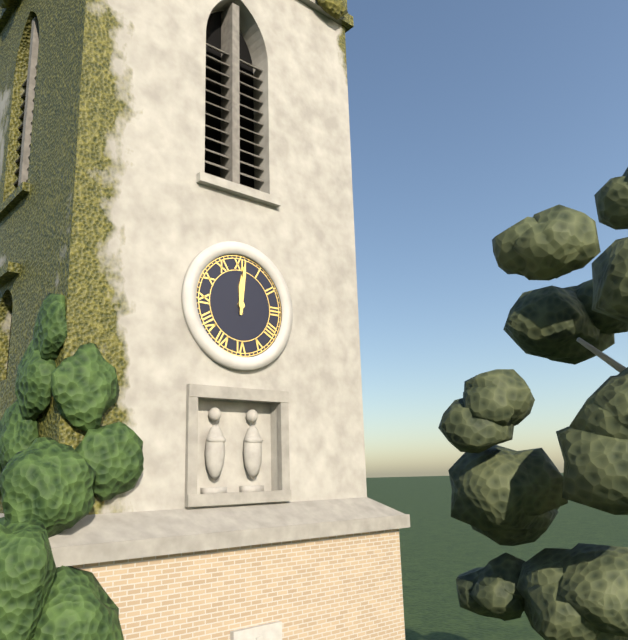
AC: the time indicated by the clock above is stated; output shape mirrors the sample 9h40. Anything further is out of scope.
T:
12h01
